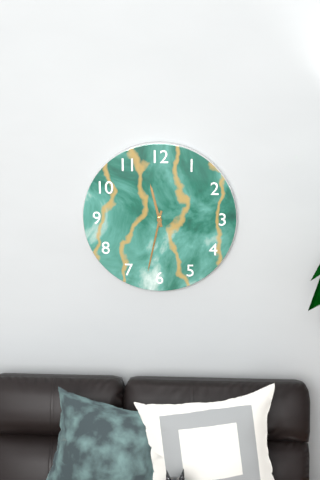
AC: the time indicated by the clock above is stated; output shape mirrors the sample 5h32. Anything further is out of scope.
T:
11h32
